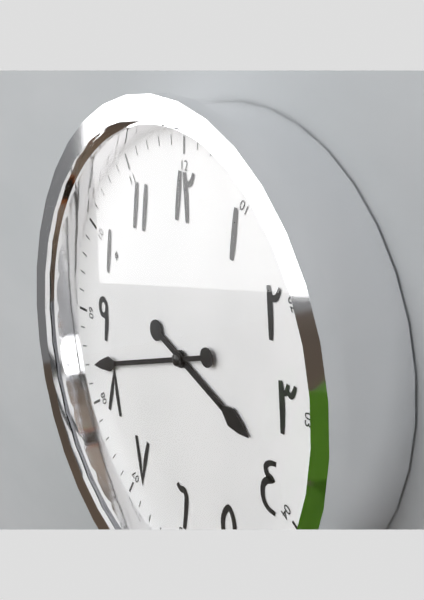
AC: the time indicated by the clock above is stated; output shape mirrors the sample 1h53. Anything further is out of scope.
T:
3h42
